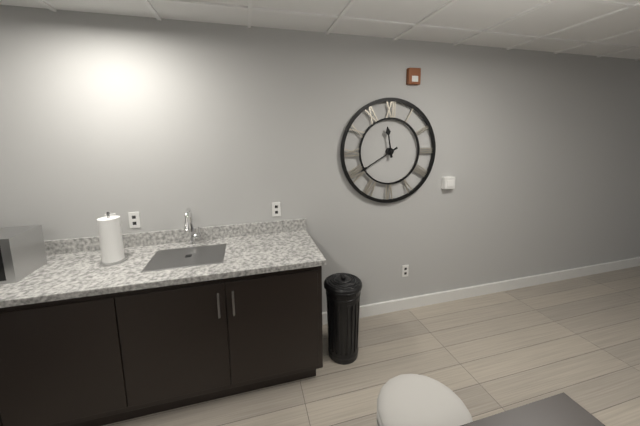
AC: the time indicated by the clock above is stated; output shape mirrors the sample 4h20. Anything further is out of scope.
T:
11h40
